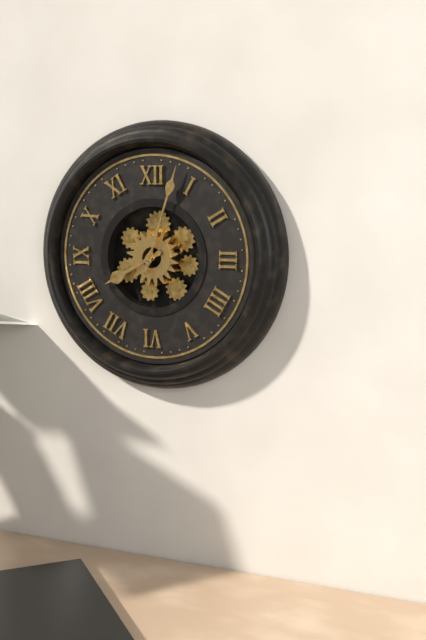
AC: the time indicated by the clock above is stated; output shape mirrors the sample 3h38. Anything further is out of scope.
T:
8h03
